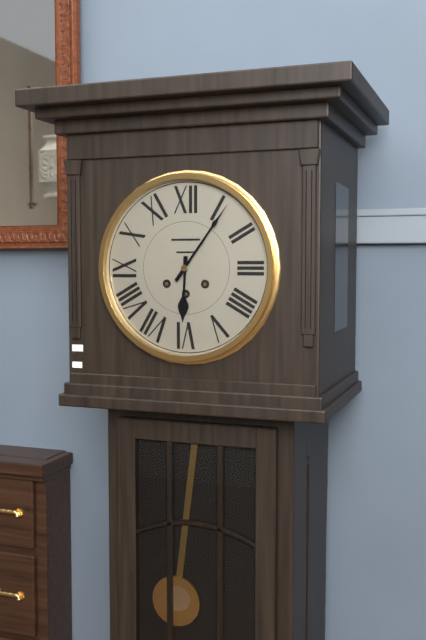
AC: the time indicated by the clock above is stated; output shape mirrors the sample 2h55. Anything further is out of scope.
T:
6h06
